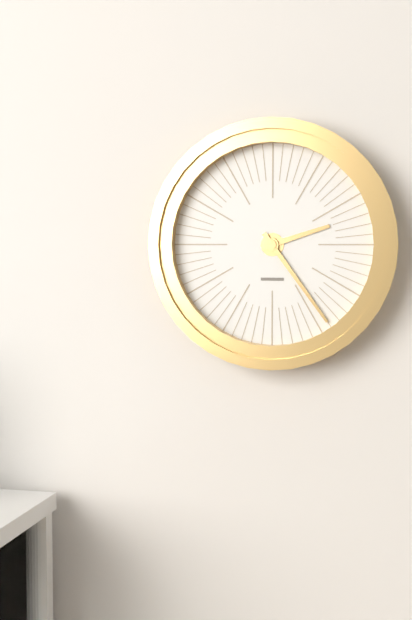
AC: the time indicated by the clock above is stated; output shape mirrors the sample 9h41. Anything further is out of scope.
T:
2h24
